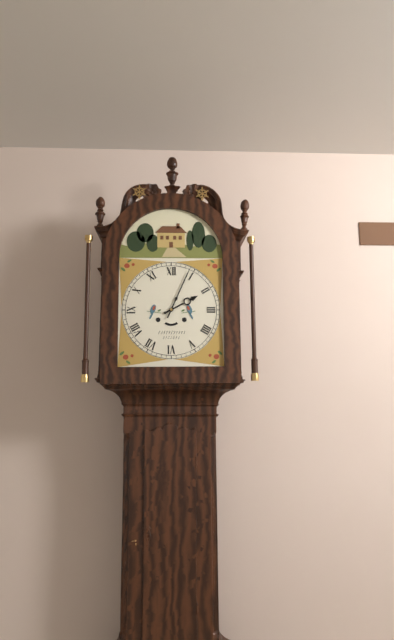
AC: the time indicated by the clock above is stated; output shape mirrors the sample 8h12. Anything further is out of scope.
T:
2h04
